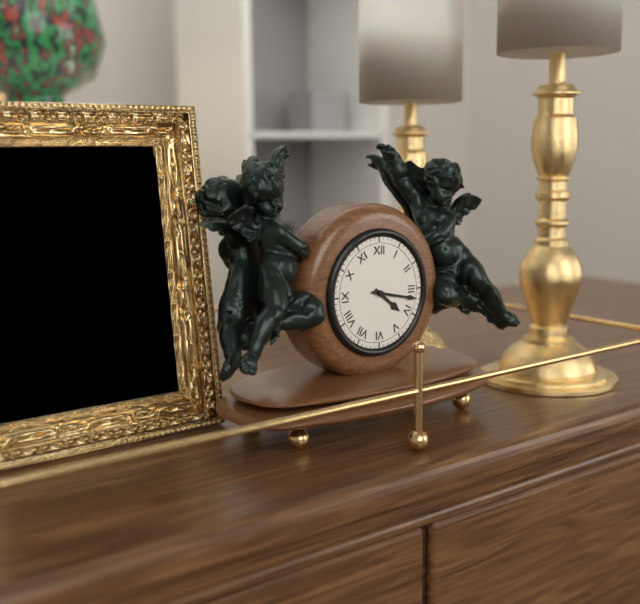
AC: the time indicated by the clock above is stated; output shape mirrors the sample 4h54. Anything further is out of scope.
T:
4h17
